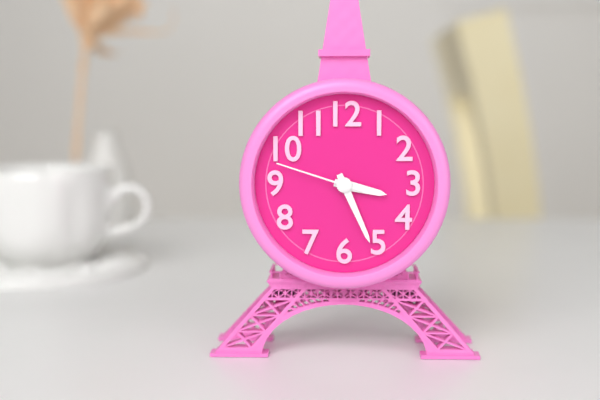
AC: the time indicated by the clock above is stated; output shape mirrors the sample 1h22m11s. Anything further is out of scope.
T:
3h26m48s
